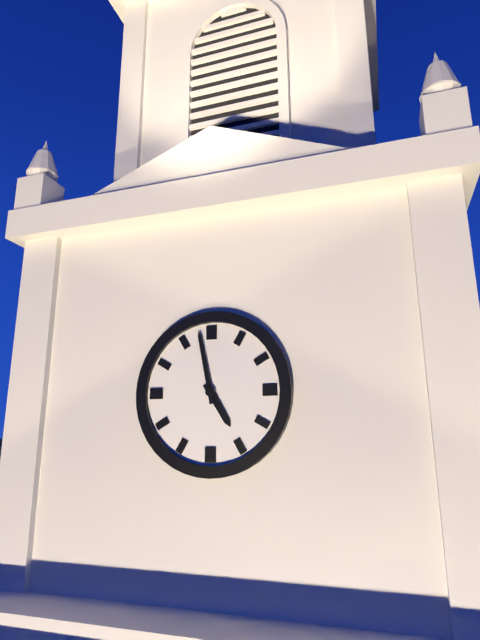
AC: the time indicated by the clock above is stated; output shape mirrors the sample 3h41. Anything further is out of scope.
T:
4h58
